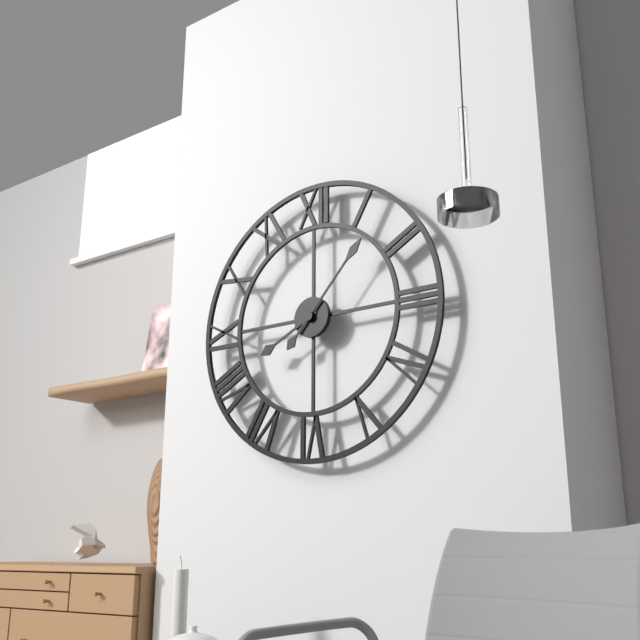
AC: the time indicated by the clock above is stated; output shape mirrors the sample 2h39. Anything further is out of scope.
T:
8h07
